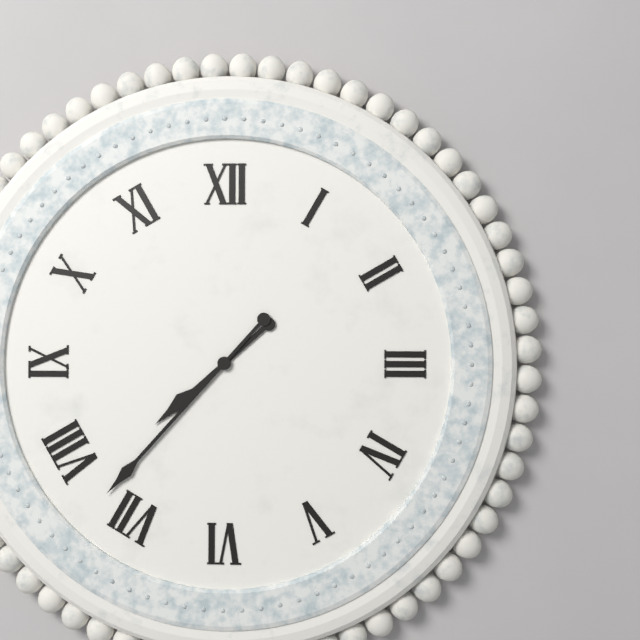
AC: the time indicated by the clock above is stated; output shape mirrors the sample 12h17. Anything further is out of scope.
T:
7h37
